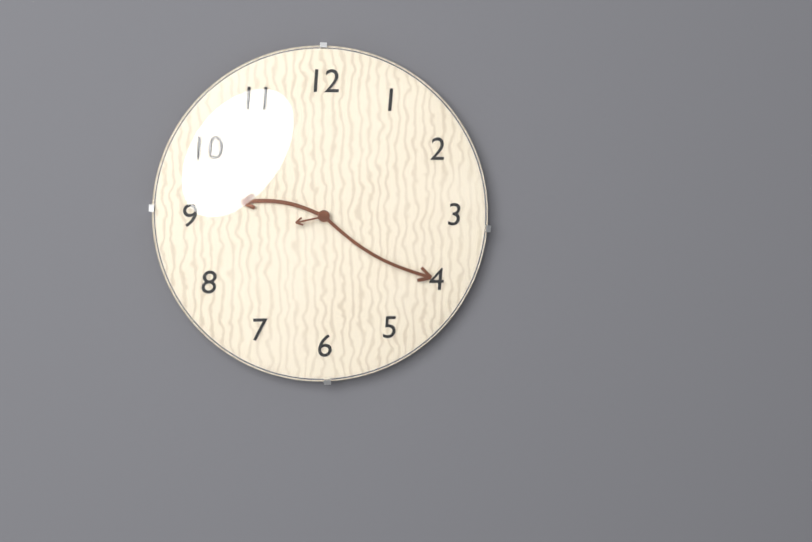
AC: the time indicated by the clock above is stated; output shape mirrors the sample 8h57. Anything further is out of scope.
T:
9h20
